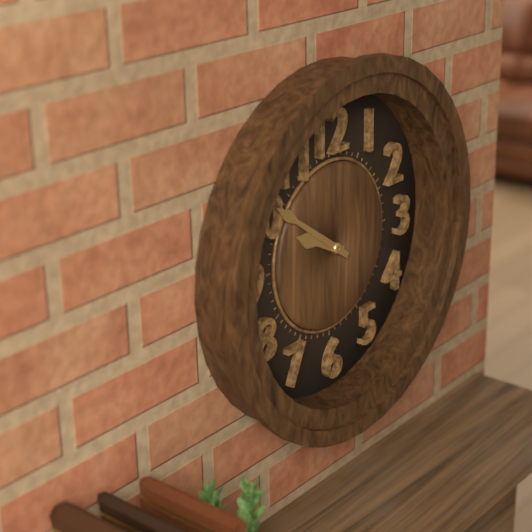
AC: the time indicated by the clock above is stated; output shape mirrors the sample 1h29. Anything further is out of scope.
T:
9h51
